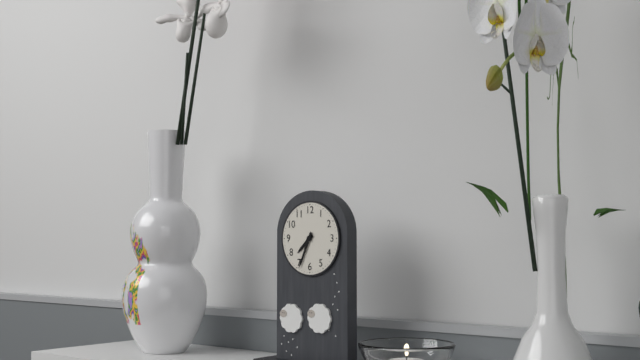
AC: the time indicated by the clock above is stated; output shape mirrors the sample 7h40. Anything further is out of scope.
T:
7h34
